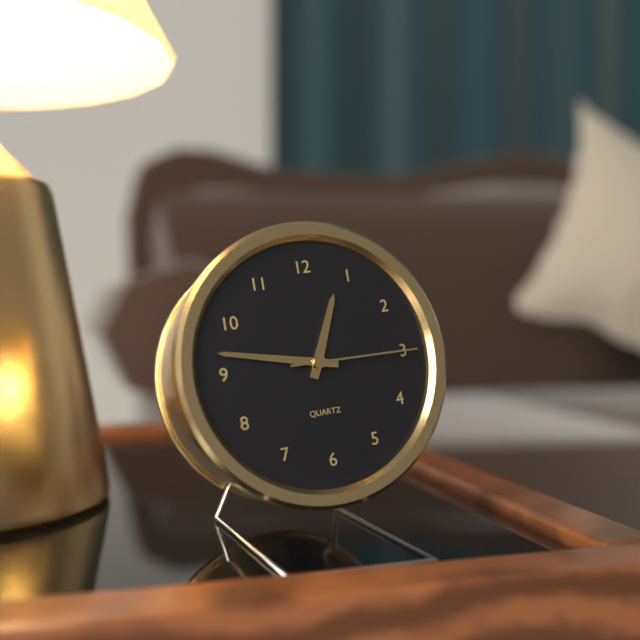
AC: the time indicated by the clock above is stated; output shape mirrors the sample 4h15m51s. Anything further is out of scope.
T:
12h47m15s
